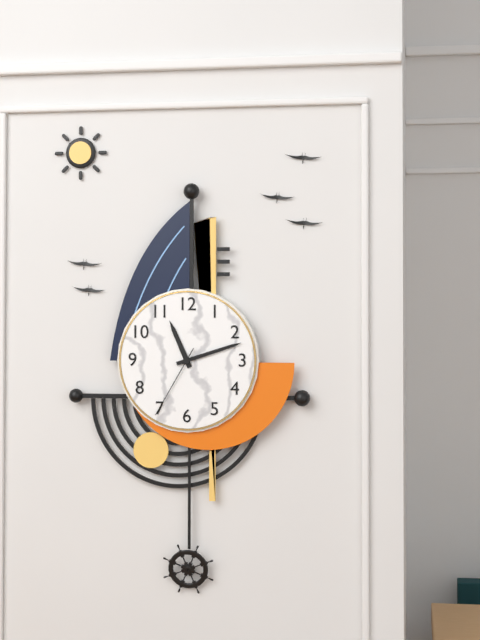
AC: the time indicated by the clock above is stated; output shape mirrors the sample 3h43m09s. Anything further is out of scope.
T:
11h12m35s
